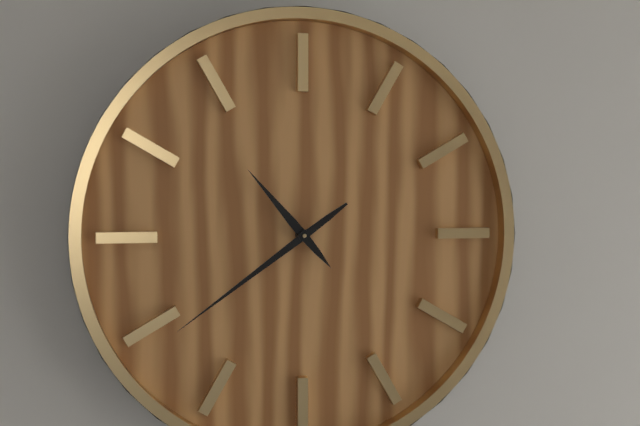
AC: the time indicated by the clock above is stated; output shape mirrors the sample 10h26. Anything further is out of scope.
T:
10h39
